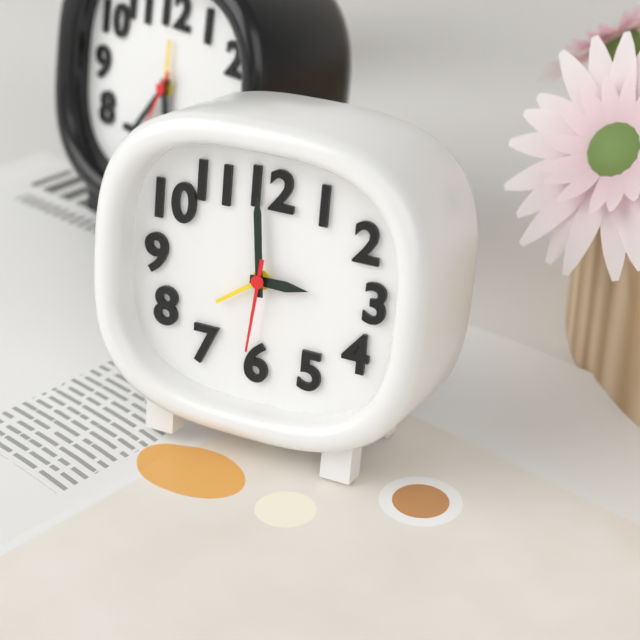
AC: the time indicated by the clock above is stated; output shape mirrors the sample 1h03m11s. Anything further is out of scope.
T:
2h59m31s
